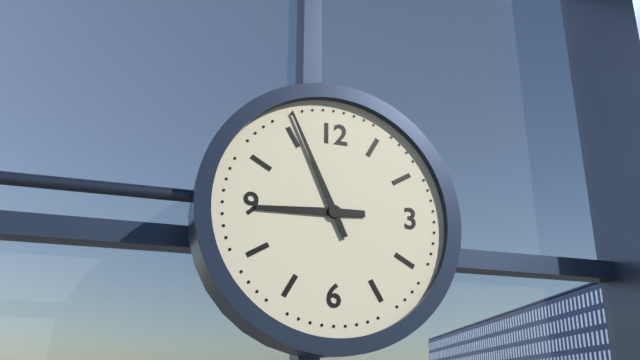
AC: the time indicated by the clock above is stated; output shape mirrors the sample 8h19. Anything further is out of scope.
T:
8h56
